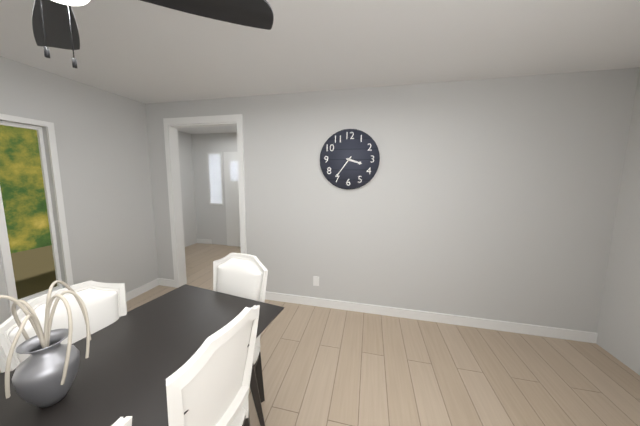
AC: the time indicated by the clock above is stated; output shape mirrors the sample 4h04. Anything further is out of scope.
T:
3h36
